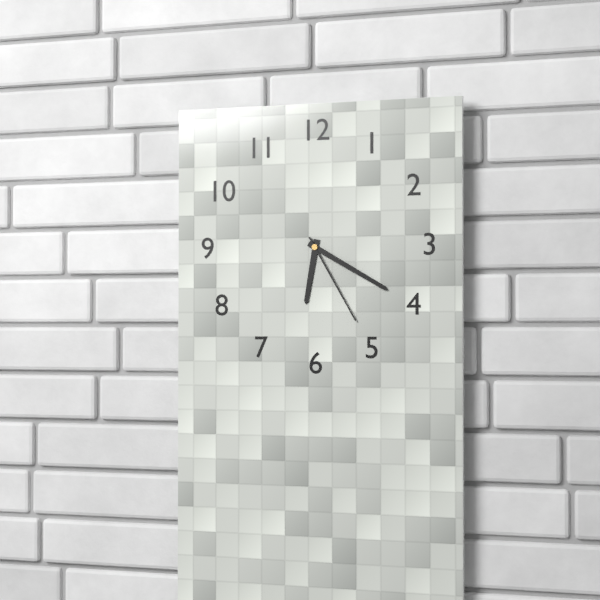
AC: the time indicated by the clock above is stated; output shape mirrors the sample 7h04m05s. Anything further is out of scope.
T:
6h20m25s
